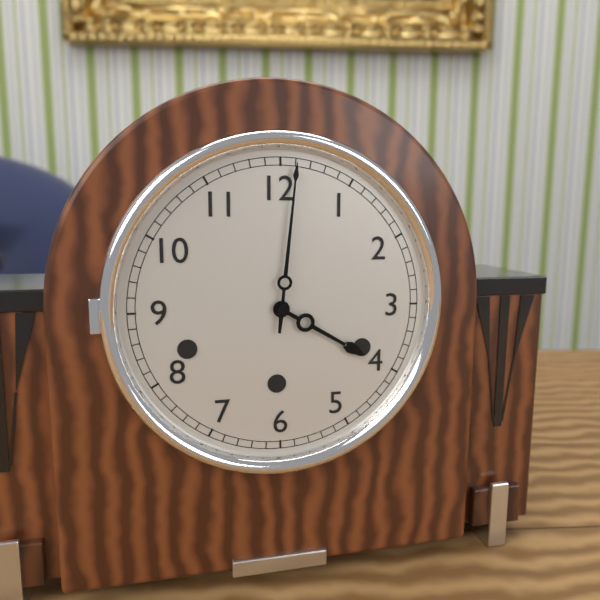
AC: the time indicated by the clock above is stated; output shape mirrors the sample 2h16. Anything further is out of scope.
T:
4h01
